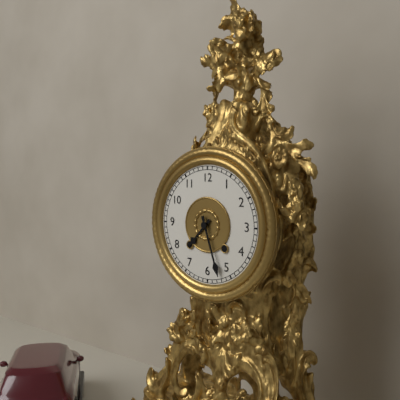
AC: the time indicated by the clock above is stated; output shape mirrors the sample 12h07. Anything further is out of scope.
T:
7h27
